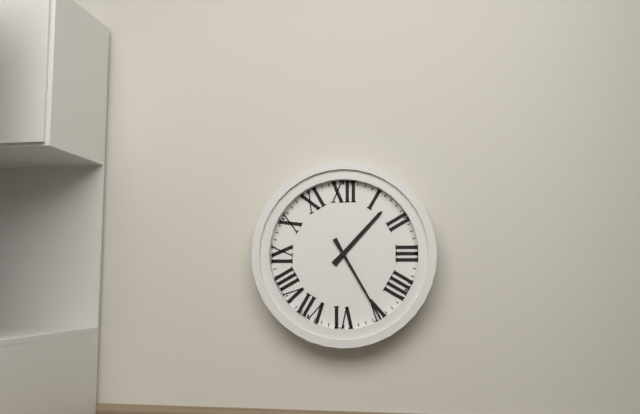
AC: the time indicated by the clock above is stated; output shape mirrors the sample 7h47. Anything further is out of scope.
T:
1h25
